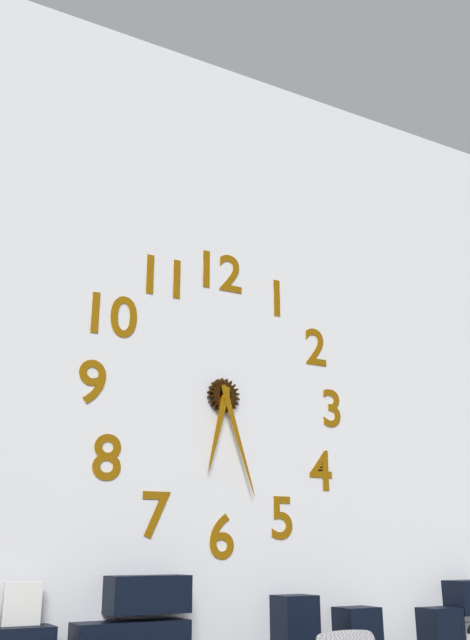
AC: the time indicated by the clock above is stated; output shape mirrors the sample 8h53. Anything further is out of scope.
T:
6h27
